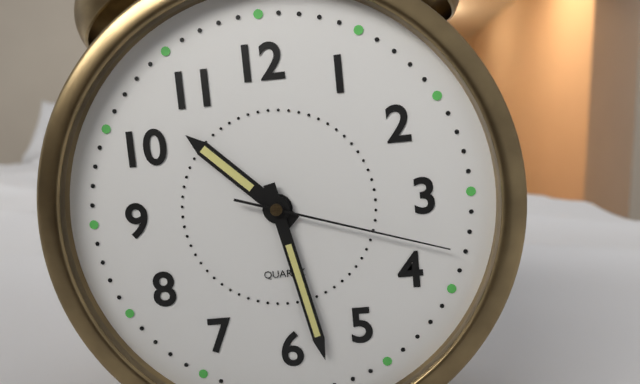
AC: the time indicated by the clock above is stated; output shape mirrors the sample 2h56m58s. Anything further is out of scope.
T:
10h28m18s
